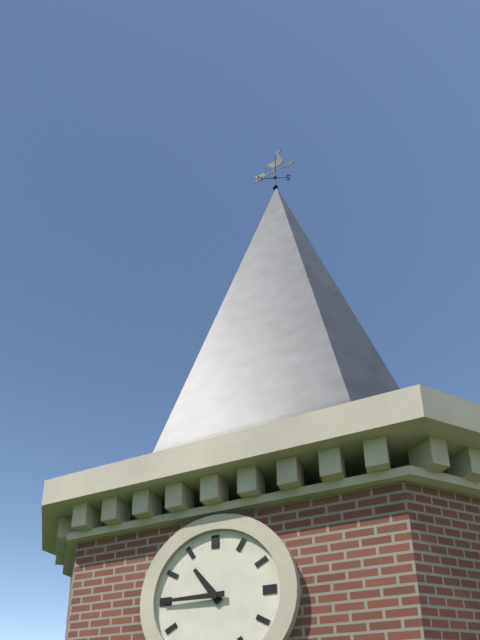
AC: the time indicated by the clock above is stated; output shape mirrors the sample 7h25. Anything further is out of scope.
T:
10h45
